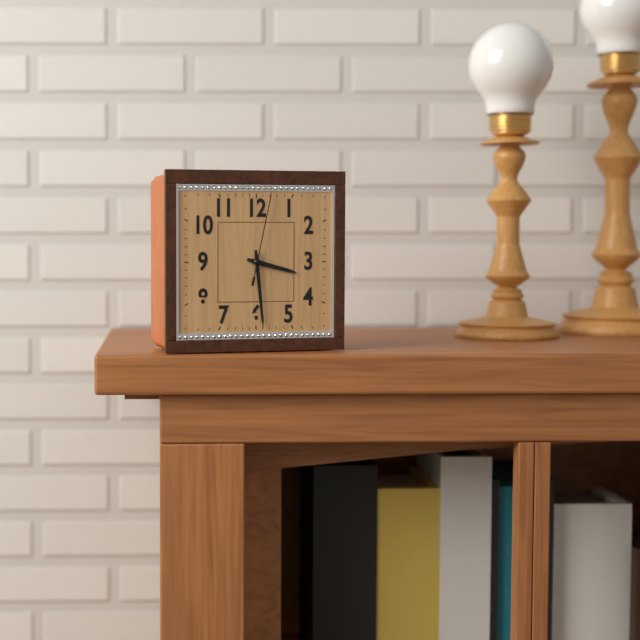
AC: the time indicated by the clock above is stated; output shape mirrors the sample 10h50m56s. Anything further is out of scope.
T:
3h29m02s
